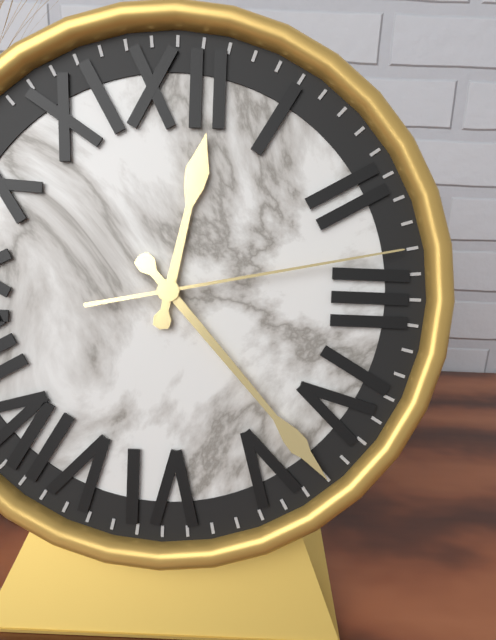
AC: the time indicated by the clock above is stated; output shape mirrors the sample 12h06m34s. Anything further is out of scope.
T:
12h23m13s
